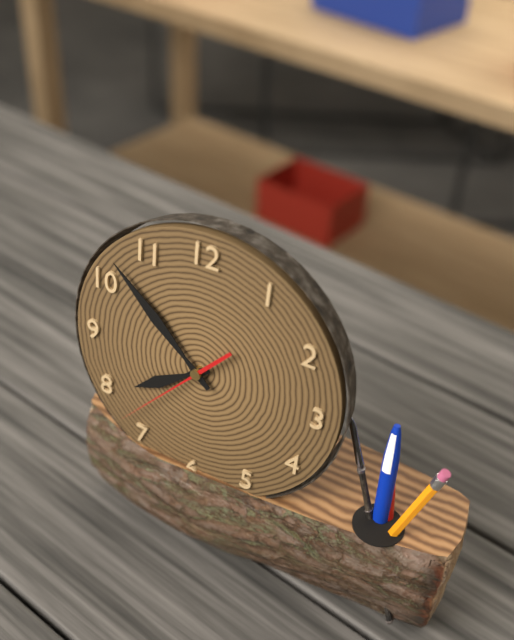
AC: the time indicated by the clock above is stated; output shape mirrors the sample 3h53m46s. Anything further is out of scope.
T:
7h52m37s
